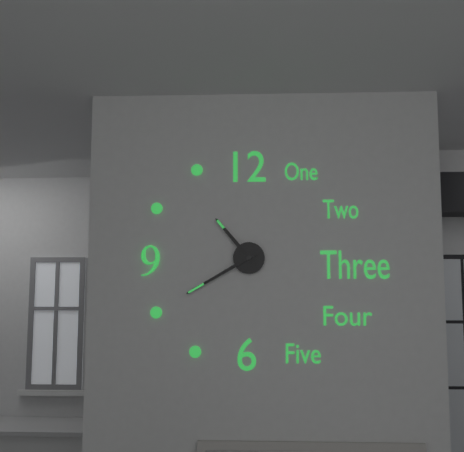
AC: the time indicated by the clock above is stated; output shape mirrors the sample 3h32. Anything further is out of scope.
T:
10h40
